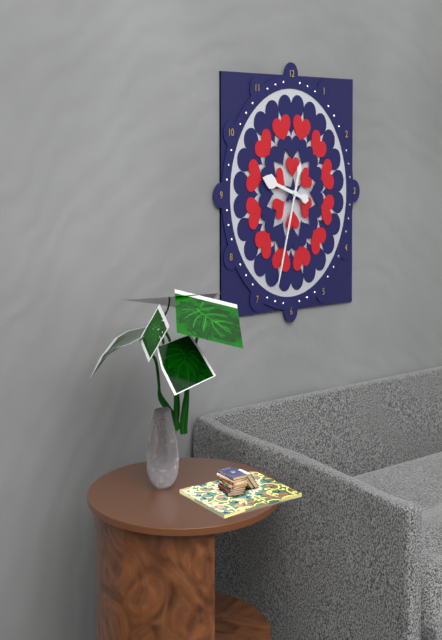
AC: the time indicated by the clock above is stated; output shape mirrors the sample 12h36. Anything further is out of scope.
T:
9h33
